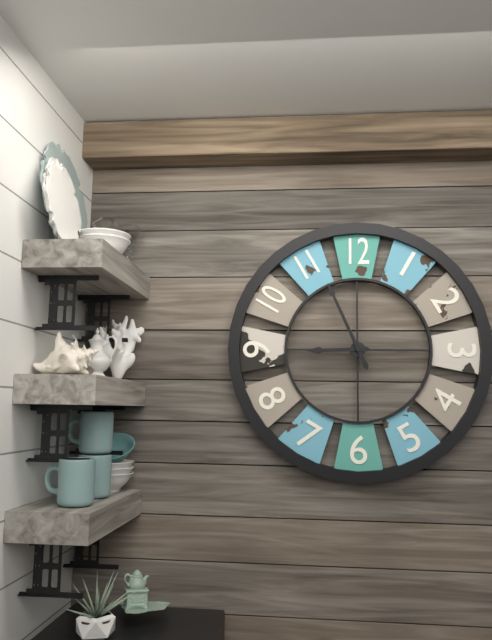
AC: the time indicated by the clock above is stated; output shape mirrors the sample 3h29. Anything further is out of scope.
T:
8h56
